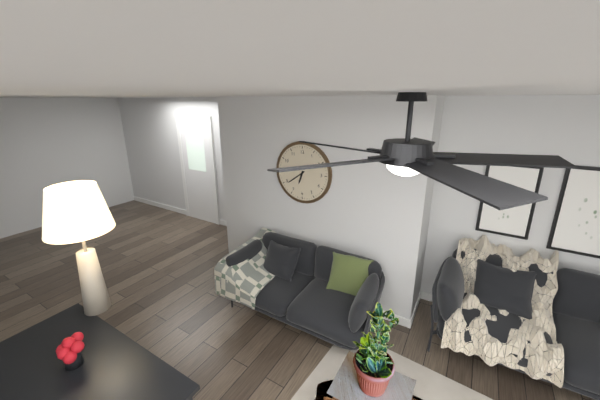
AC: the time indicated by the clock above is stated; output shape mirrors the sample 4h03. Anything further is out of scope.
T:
6h39
